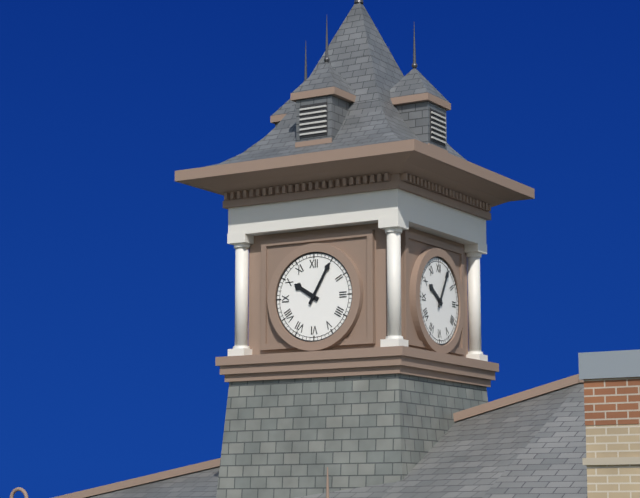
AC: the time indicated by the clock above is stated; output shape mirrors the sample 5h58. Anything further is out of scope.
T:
10h05
